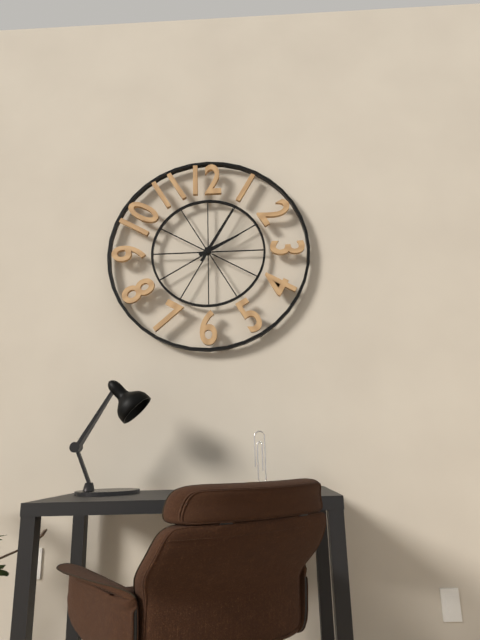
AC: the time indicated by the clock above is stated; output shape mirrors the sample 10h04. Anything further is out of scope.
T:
2h05
